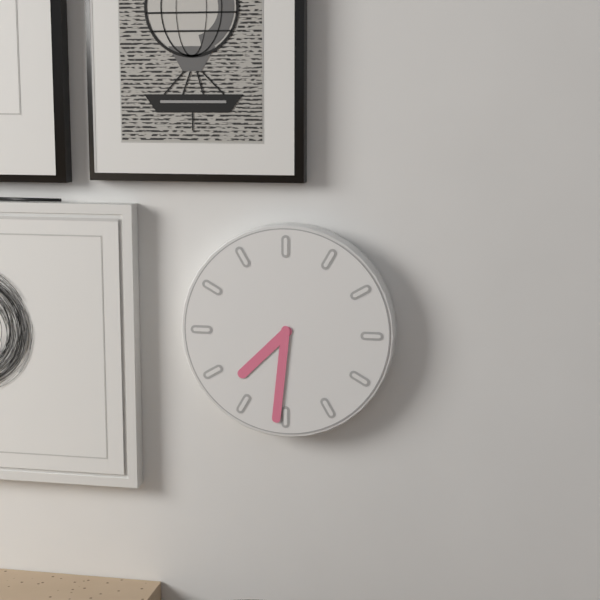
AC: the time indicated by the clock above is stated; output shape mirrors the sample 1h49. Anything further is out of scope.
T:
7h31
